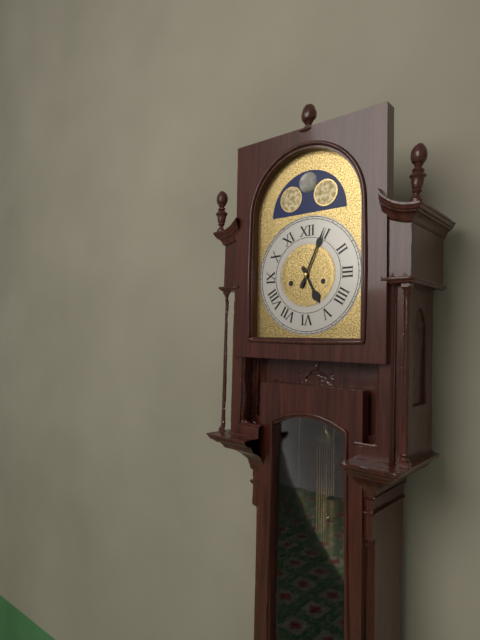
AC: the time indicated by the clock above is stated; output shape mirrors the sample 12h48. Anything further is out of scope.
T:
5h04
